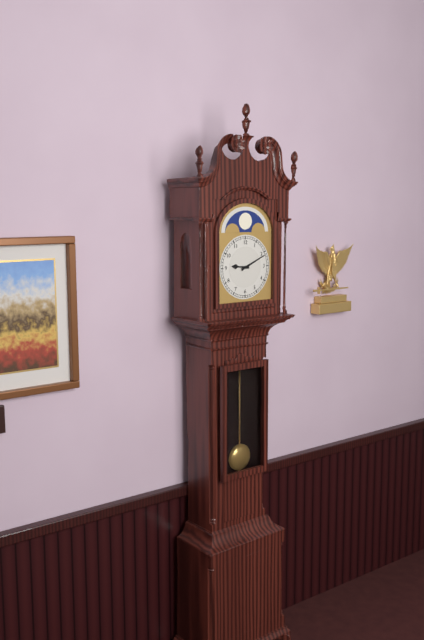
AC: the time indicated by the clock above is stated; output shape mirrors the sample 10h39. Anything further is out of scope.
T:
9h11
